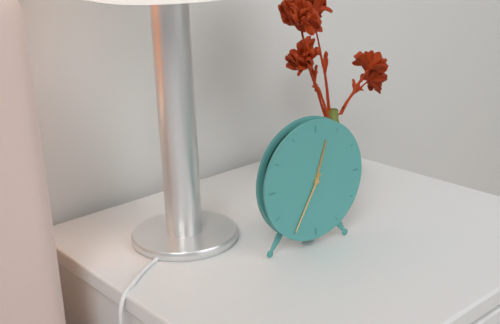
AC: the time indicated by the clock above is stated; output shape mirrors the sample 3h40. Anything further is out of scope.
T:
12h35
